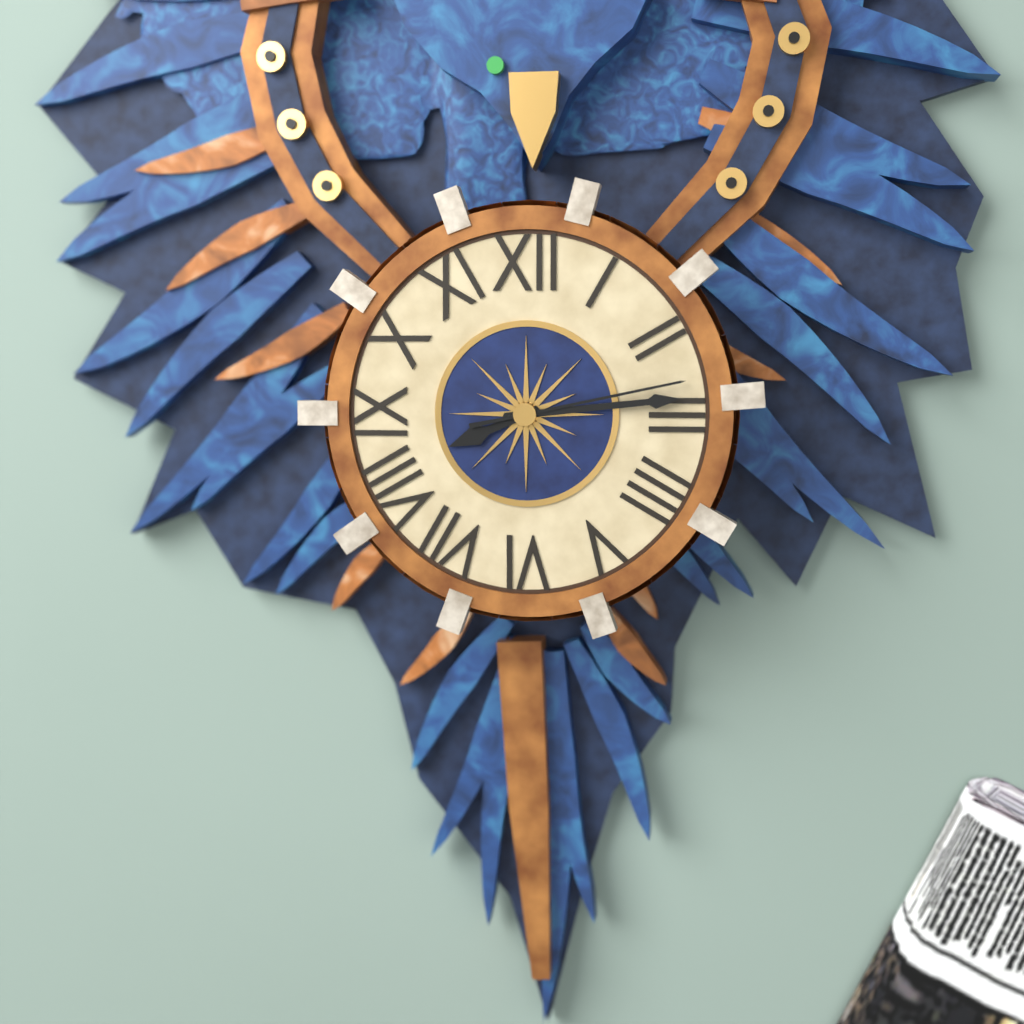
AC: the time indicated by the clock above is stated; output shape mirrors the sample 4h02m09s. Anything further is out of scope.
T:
8h14m13s
